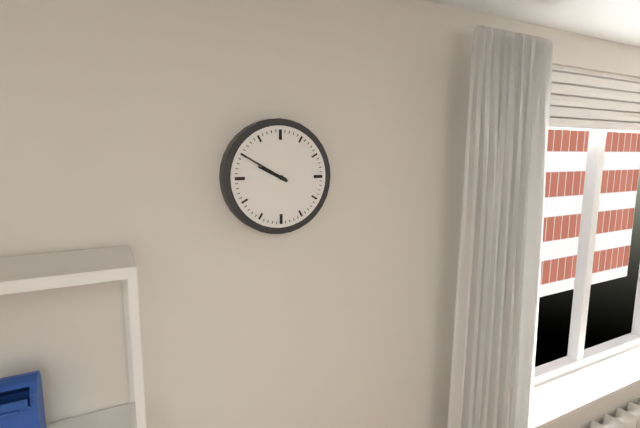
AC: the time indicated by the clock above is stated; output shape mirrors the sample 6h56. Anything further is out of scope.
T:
9h50
